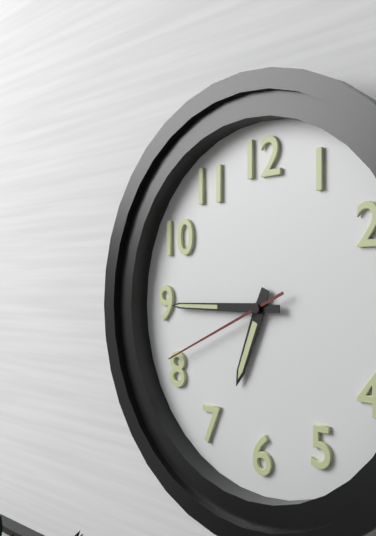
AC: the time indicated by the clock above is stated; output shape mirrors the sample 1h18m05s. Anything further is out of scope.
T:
6h45m41s
